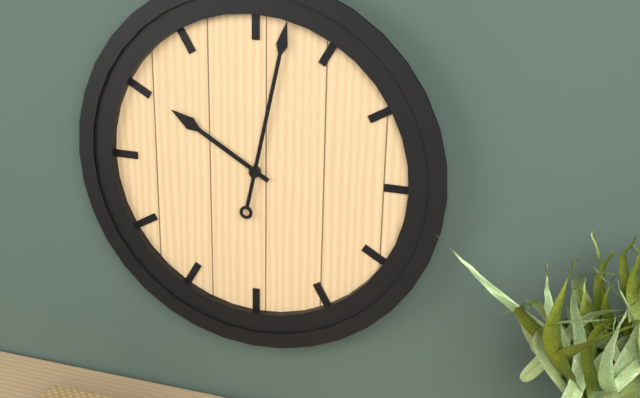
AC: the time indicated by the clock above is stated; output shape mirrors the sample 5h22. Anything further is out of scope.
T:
10h02
